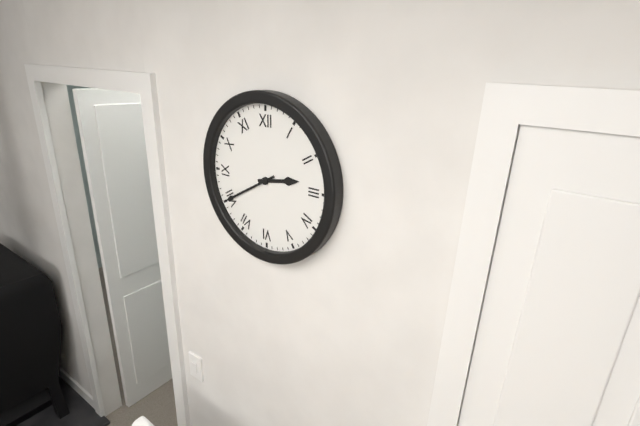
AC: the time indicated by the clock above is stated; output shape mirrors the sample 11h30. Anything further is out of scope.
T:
2h40
